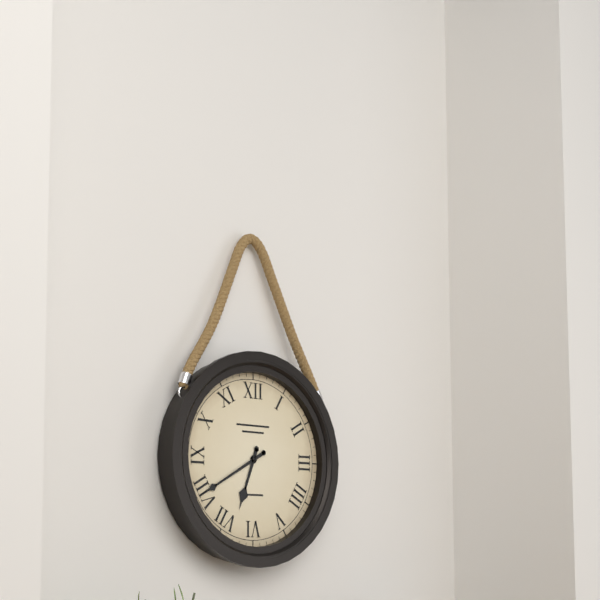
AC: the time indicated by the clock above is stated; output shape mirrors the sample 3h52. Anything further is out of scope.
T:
6h40
